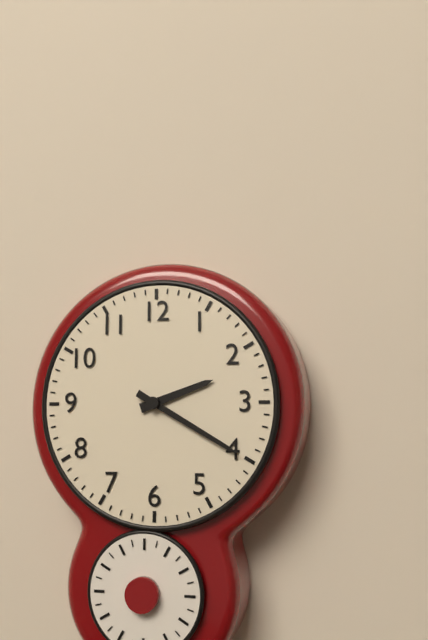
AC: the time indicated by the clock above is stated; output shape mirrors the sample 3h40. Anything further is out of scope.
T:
2h20
